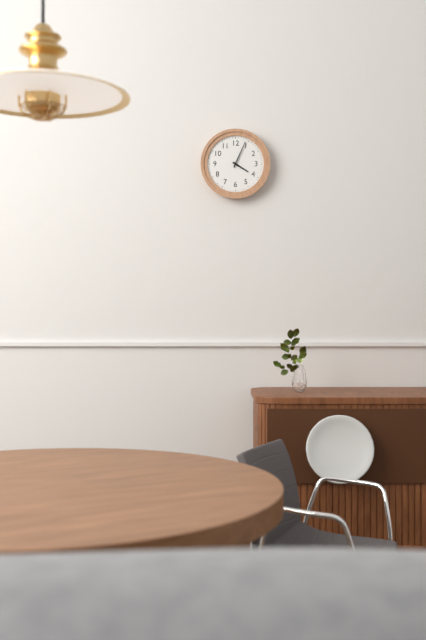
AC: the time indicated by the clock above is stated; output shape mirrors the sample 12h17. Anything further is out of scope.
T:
4h04
